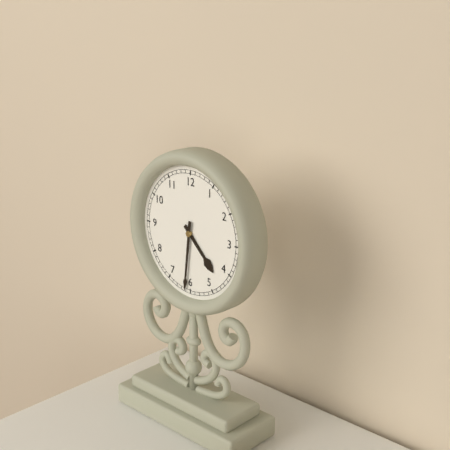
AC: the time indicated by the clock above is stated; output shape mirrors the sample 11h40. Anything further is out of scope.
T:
4h31
